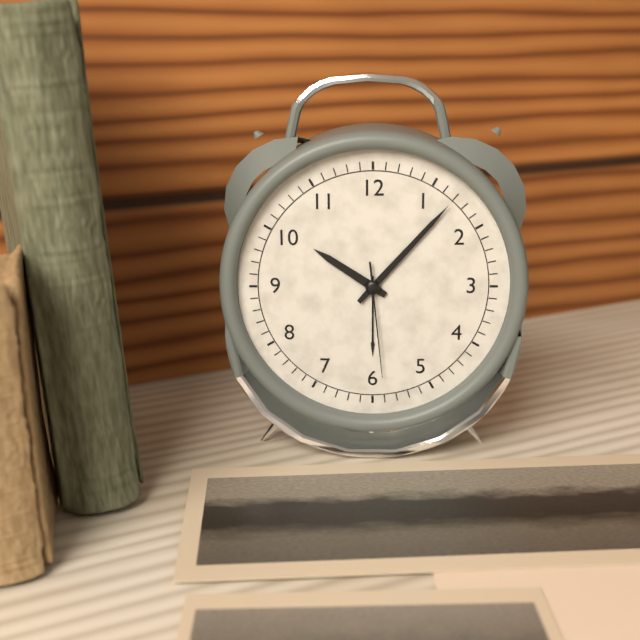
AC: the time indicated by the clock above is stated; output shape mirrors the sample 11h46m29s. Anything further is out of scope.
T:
10h07m29s
